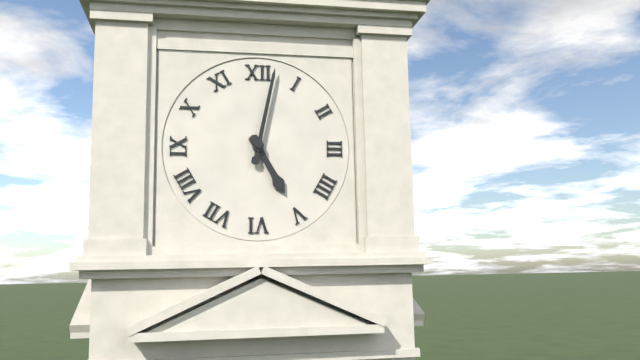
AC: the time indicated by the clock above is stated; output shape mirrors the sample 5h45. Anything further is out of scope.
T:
5h02
